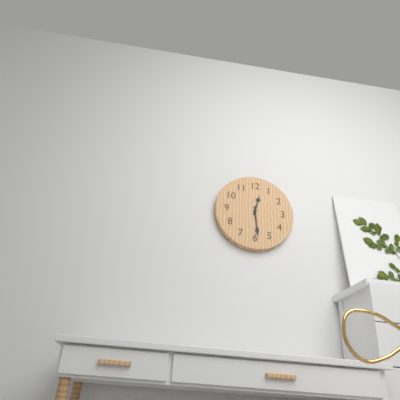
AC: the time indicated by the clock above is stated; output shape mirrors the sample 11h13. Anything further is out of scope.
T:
12h29
